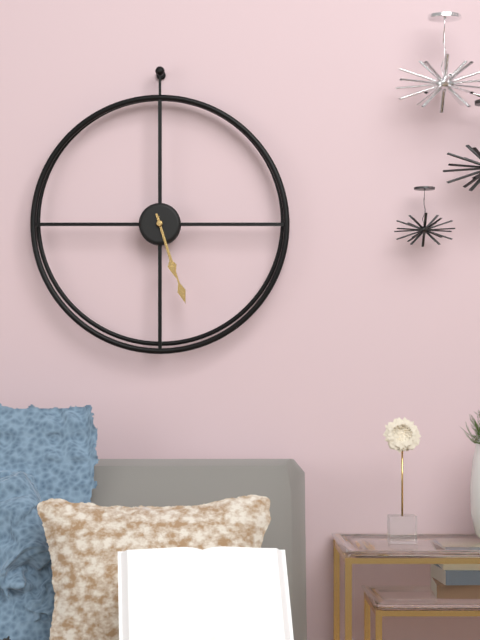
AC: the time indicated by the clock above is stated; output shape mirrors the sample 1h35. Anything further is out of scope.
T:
5h27
